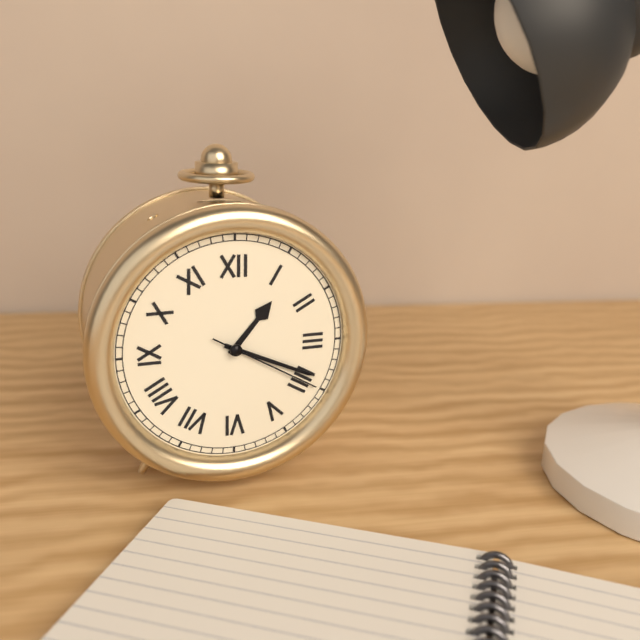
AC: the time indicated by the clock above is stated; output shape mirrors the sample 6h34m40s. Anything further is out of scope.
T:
1h19m20s
